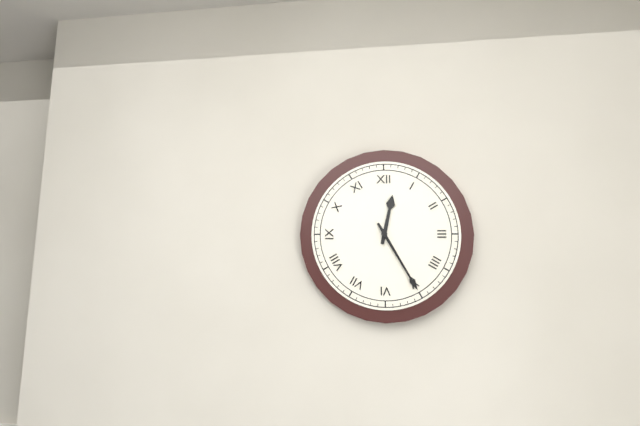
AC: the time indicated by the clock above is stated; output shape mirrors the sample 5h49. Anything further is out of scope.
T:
12h25
